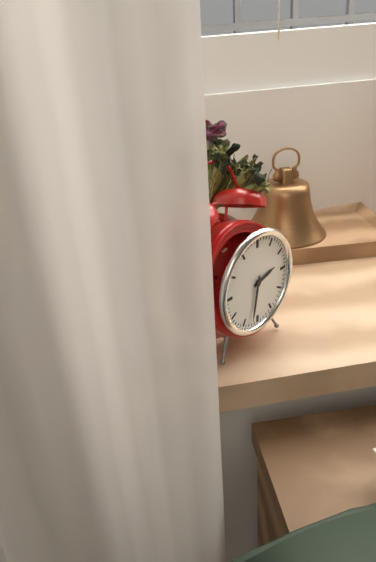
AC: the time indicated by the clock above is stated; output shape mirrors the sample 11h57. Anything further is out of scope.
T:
2h32
